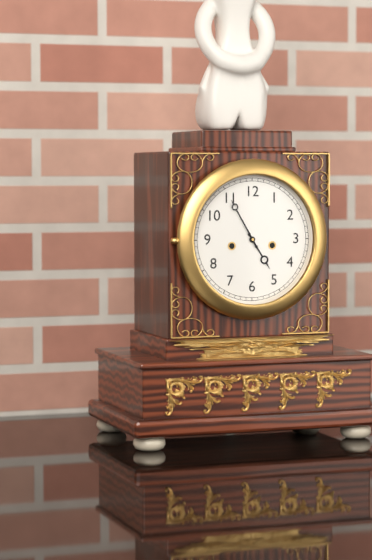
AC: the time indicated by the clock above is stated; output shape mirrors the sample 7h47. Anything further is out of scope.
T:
4h55
